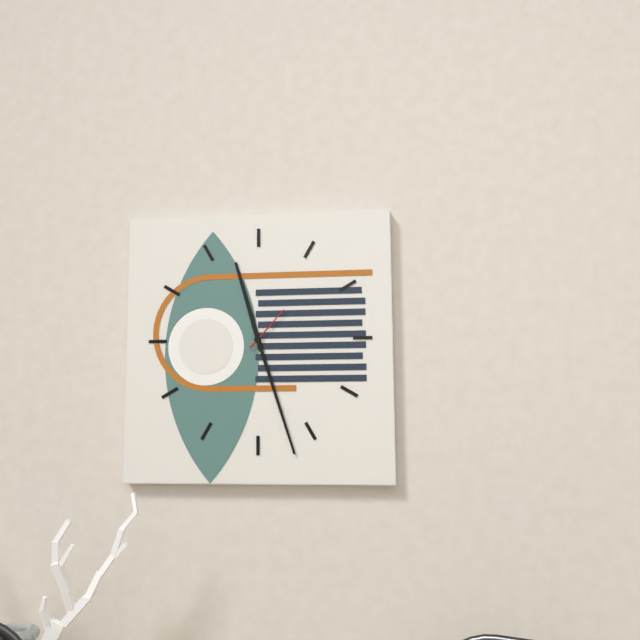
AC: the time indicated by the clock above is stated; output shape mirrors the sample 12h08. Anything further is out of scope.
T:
11h27
